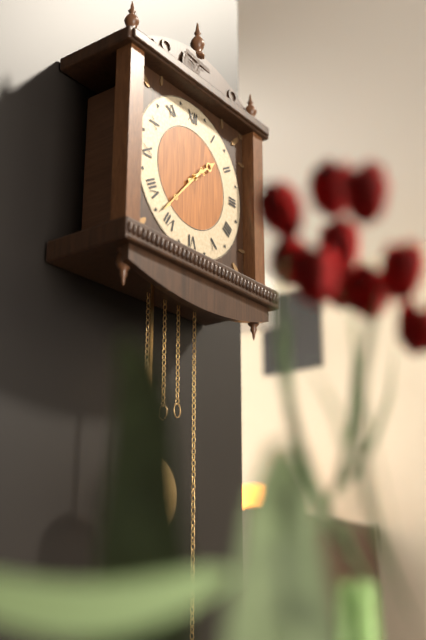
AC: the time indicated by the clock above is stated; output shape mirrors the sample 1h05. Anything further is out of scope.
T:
1h37
